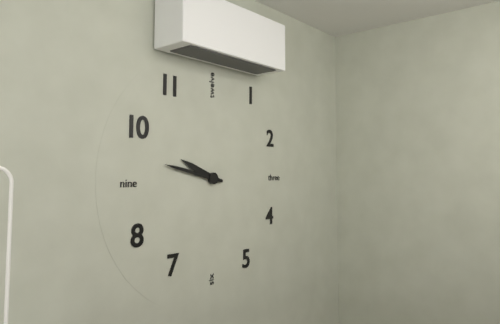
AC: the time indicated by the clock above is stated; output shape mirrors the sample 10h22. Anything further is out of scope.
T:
9h47
